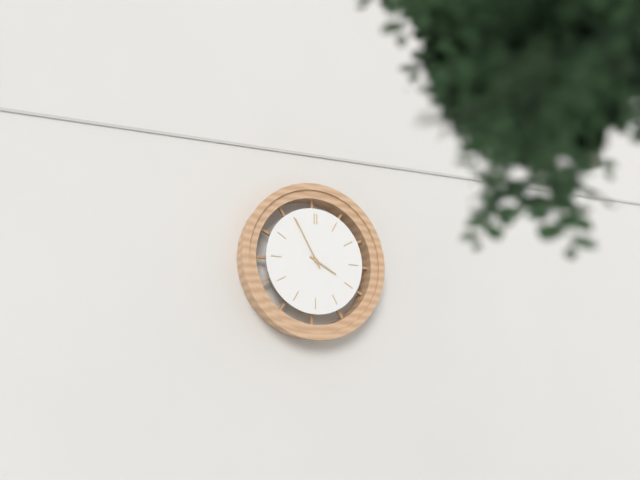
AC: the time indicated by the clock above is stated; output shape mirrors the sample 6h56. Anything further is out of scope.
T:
3h55
